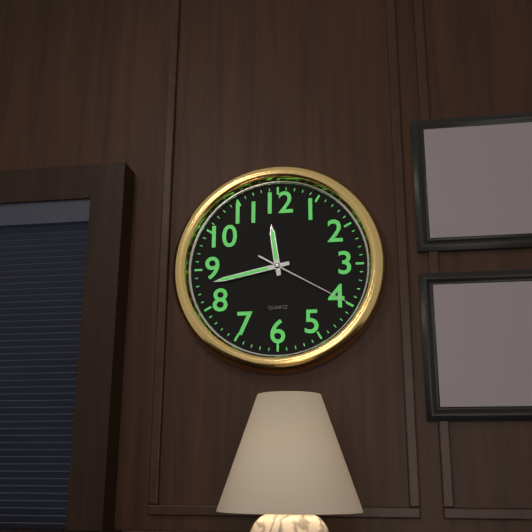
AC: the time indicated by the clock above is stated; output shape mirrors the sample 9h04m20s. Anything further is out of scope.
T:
11h43m20s
